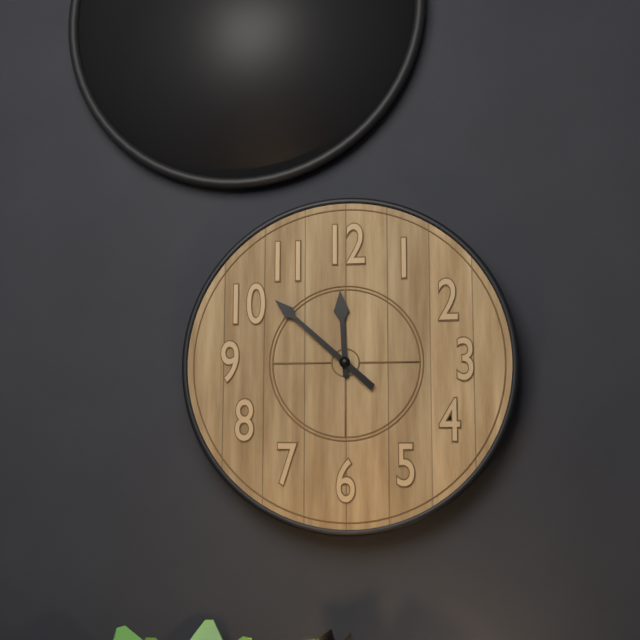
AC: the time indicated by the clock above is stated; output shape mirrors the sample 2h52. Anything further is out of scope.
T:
11h52
